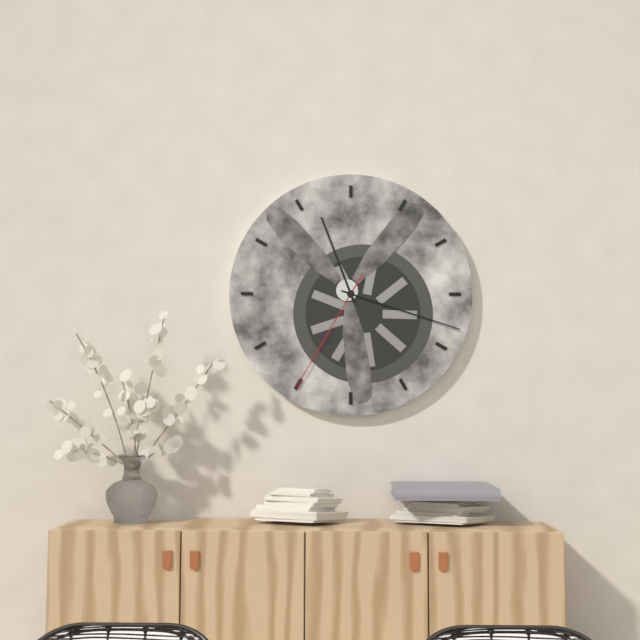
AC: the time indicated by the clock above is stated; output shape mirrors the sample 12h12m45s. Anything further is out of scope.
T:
11h18m35s
